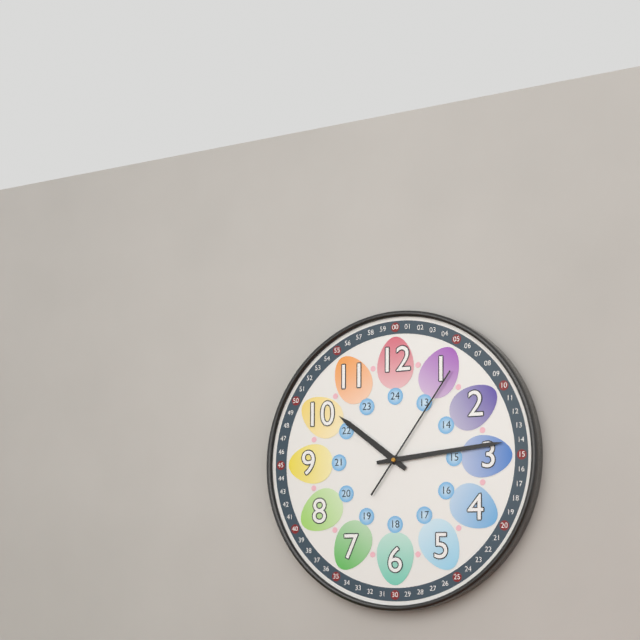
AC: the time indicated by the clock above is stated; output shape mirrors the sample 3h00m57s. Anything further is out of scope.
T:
10h14m06s
